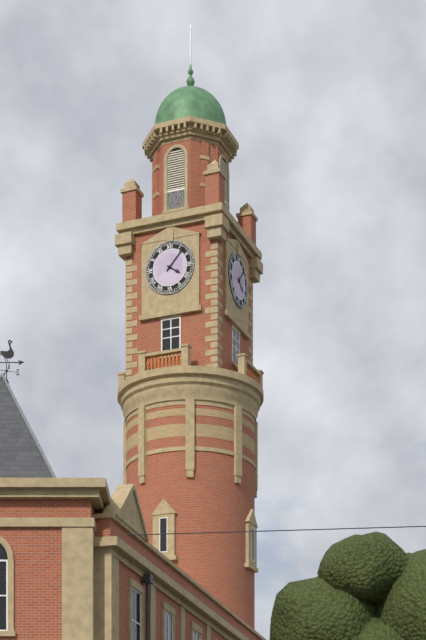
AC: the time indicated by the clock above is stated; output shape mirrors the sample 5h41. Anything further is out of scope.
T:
4h07
